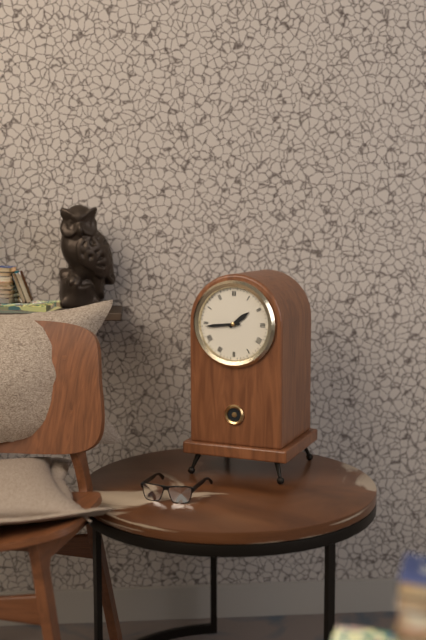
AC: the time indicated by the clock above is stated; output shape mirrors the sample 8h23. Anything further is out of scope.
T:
1h44
